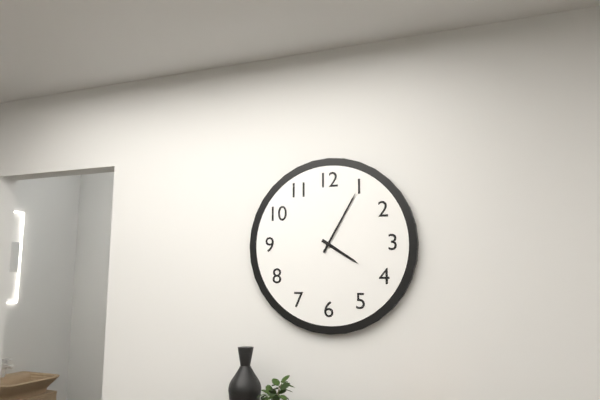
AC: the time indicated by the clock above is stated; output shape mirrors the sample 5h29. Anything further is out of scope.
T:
4h05
